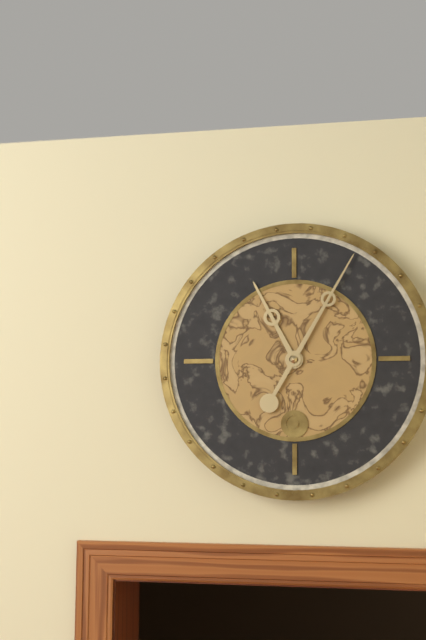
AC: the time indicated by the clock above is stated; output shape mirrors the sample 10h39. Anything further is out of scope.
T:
11h05
